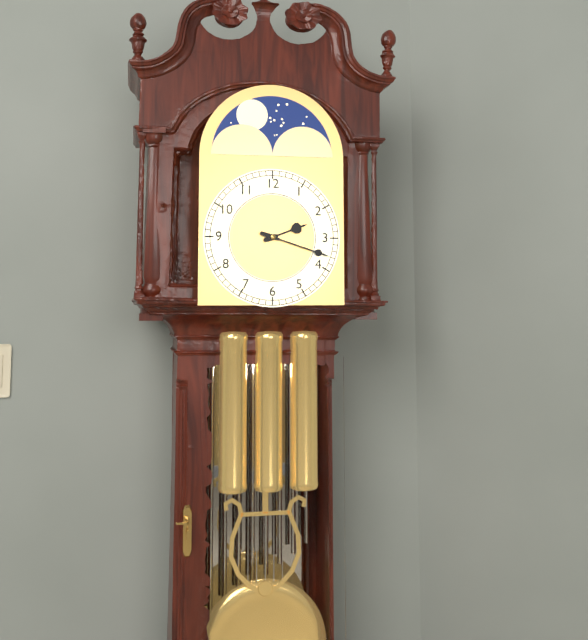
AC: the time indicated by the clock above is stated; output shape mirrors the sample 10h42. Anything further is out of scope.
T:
2h18
